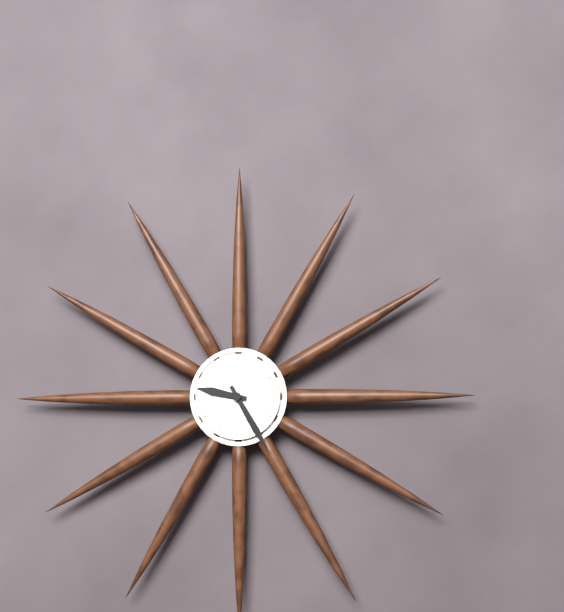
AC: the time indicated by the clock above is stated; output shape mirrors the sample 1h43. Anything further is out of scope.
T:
9h25
